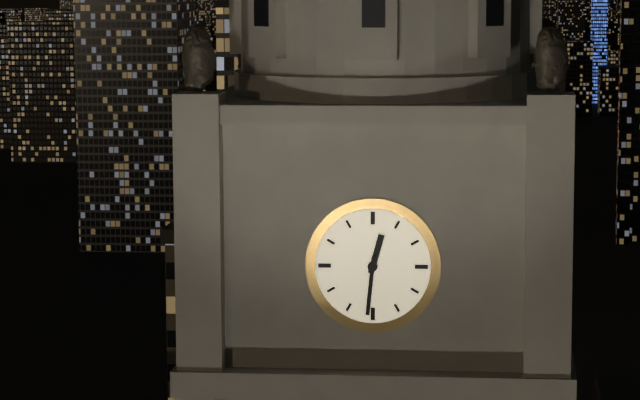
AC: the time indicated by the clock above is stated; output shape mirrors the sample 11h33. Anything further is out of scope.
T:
12h31
